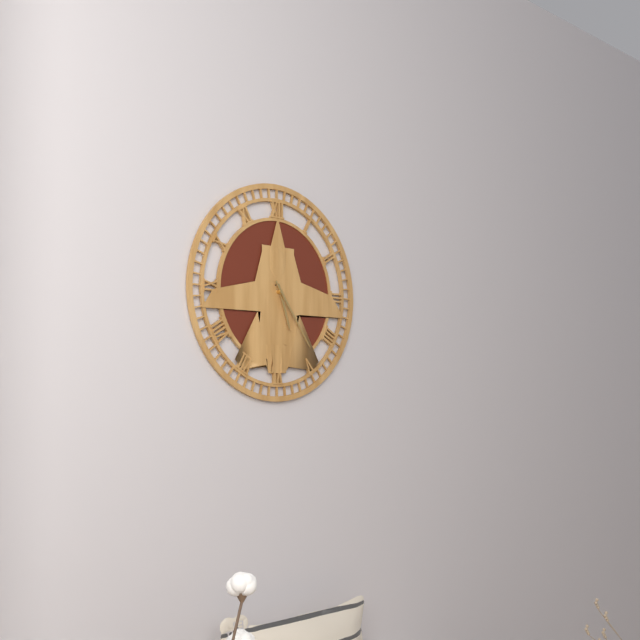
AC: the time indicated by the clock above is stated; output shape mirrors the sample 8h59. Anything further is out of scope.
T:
5h24
